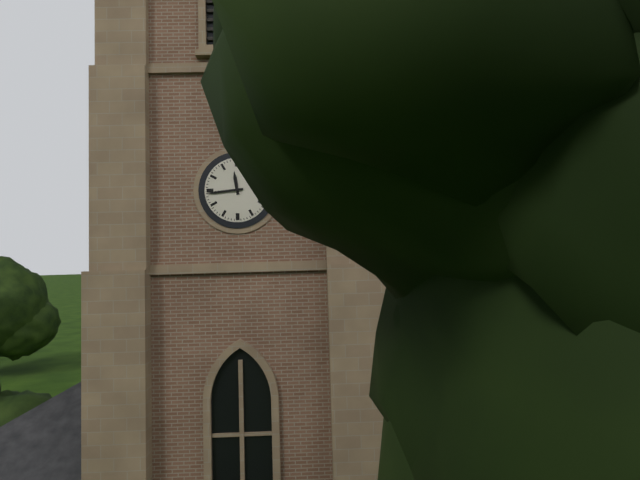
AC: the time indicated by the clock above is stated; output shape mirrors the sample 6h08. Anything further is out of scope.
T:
11h44
